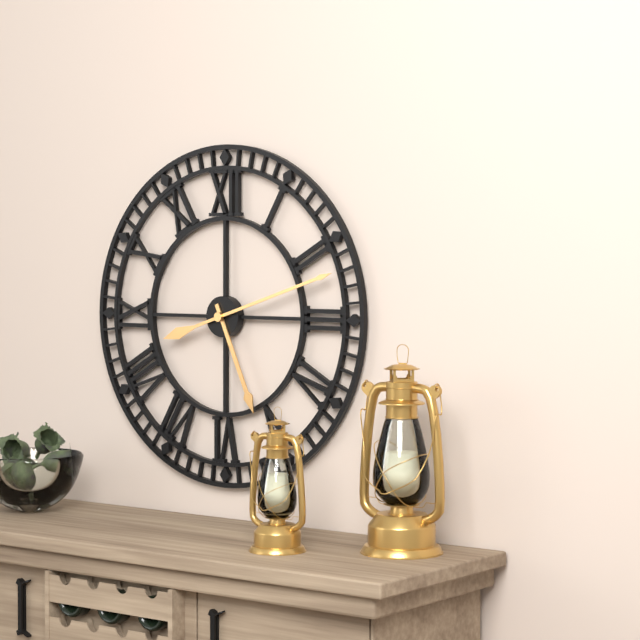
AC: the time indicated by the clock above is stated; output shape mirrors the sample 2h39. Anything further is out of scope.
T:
5h12
